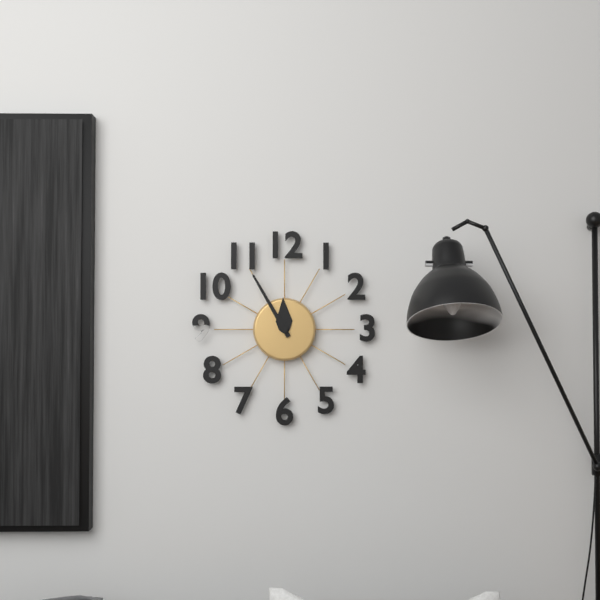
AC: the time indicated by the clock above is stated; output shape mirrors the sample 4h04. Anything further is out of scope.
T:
11h55
